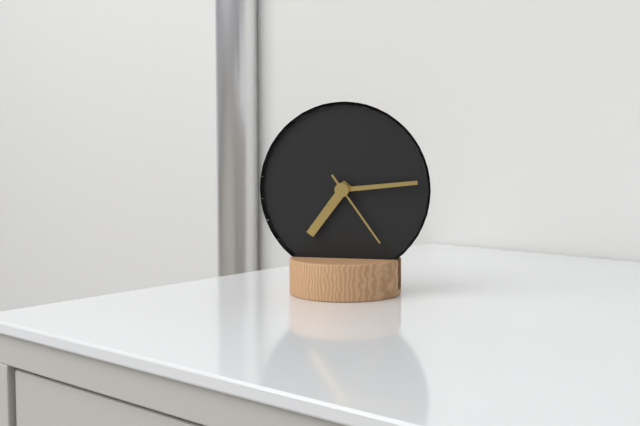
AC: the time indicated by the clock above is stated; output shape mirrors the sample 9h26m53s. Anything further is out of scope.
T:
7h14m24s
